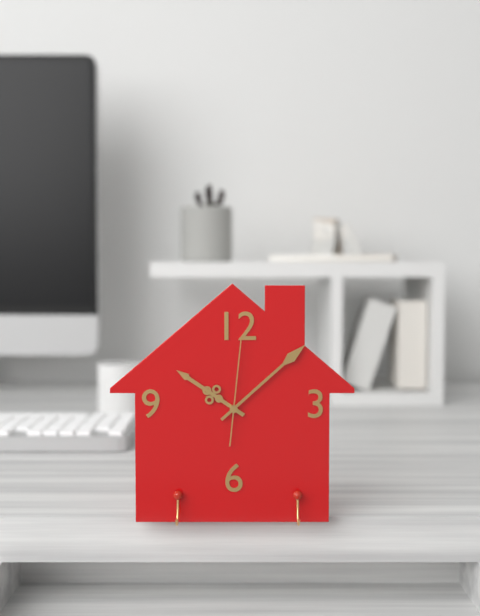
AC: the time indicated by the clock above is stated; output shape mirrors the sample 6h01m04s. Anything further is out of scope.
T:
10h08m01s
